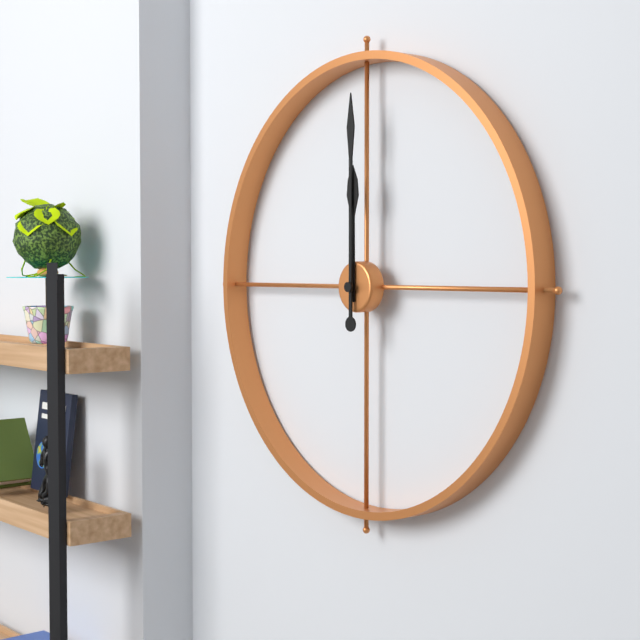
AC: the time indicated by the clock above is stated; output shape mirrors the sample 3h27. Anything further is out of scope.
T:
12h00
